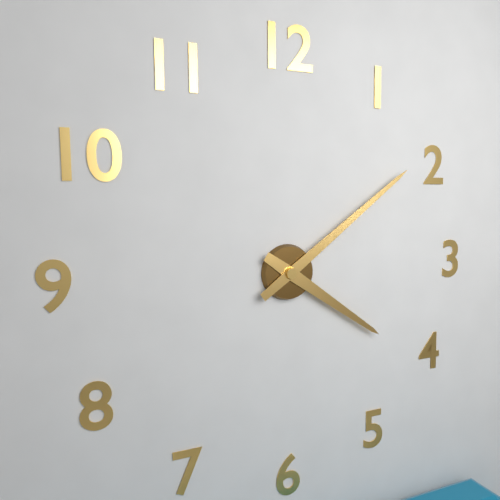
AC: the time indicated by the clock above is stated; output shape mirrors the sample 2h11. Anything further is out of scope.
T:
4h09
